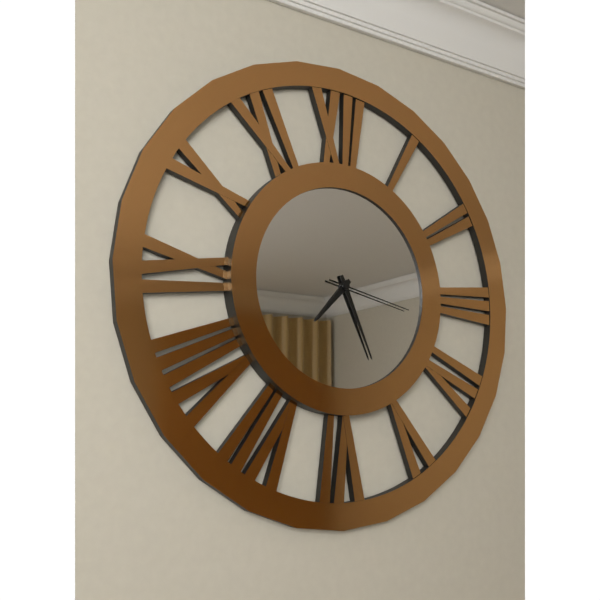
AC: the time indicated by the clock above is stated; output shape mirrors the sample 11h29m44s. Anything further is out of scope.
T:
7h26m17s
